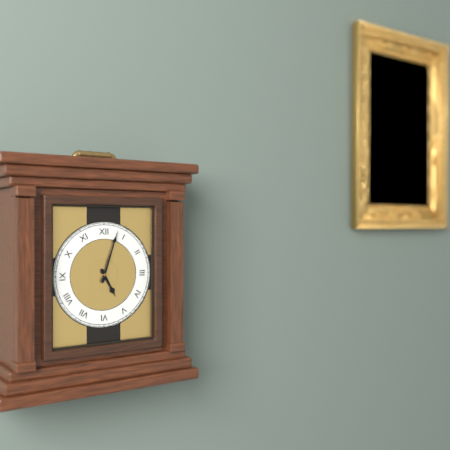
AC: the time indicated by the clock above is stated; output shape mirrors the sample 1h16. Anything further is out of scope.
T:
5h03
